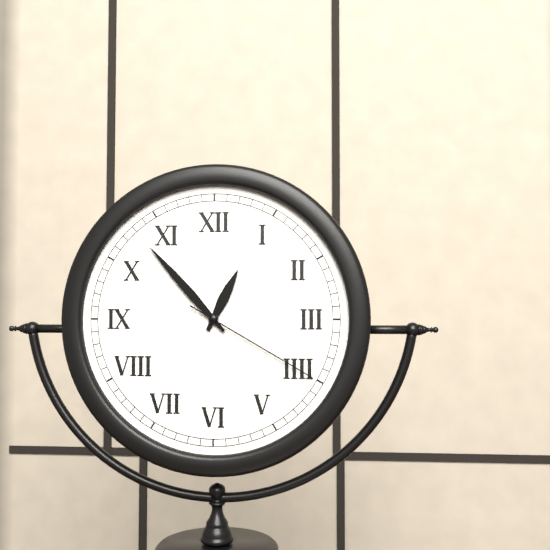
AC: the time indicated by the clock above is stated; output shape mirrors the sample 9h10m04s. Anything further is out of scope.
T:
12h53m20s
